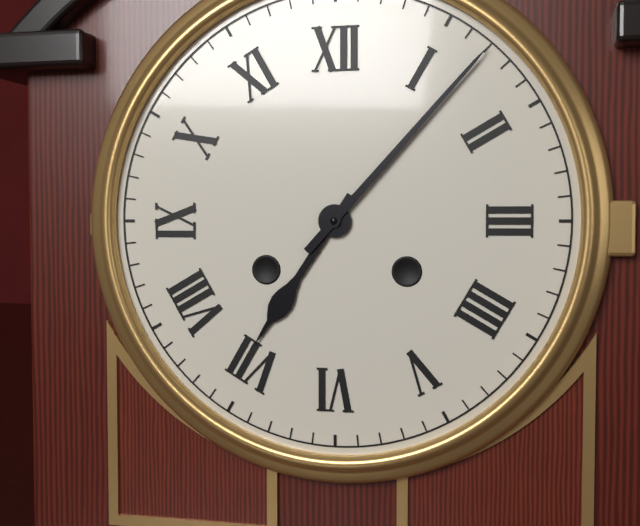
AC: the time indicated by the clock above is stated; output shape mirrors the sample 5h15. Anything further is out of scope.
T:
7h07
